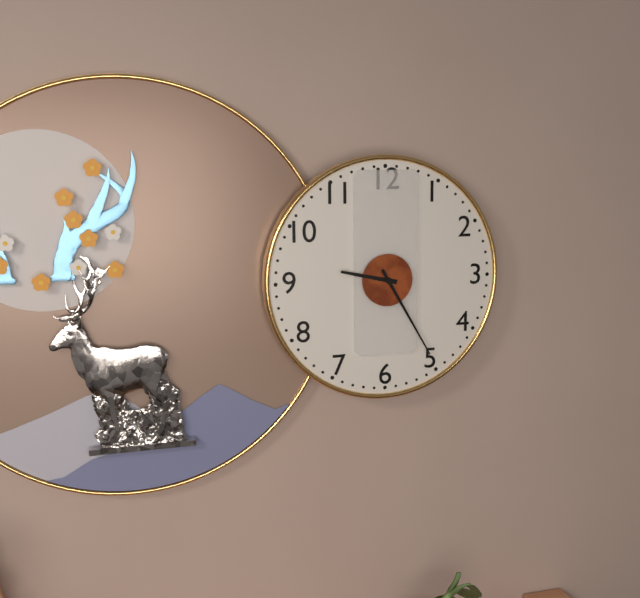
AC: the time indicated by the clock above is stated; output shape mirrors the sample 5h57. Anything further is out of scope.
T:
9h25
